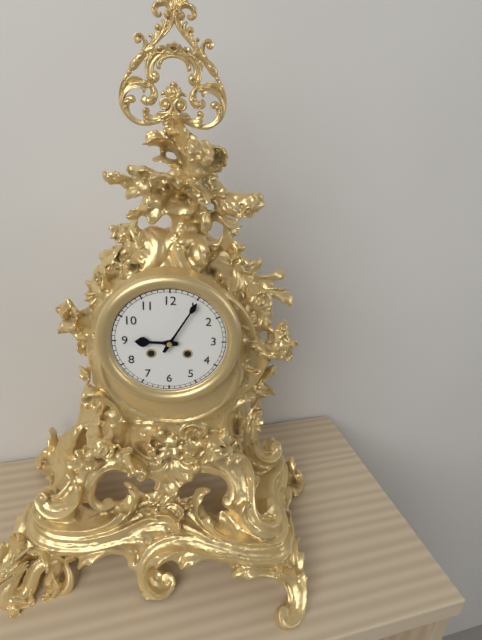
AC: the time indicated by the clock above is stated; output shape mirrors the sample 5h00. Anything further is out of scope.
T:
9h05
